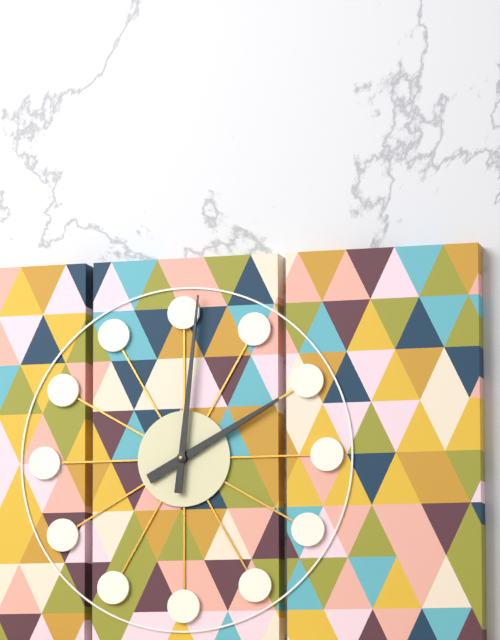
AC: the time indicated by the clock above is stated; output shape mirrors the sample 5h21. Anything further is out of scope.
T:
2h01
